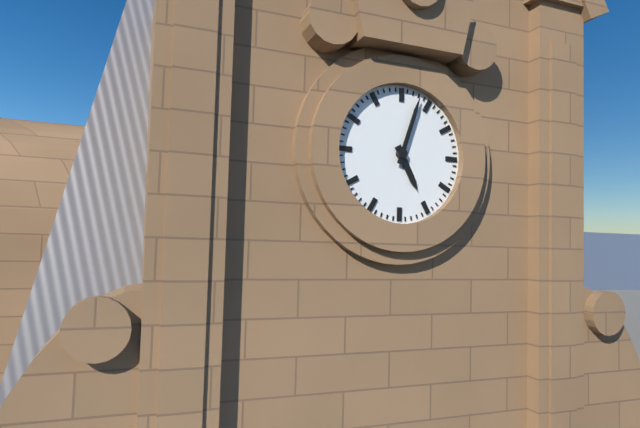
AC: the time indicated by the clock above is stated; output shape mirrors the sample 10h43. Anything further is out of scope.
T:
5h03
